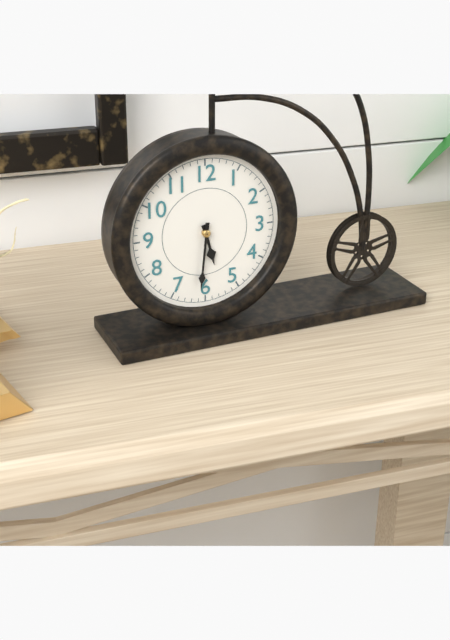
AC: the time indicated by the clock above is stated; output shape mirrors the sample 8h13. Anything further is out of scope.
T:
5h31
